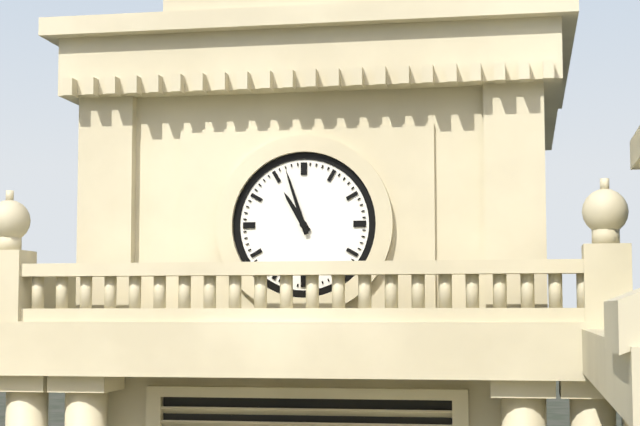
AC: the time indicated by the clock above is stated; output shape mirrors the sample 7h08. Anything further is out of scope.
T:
10h57
